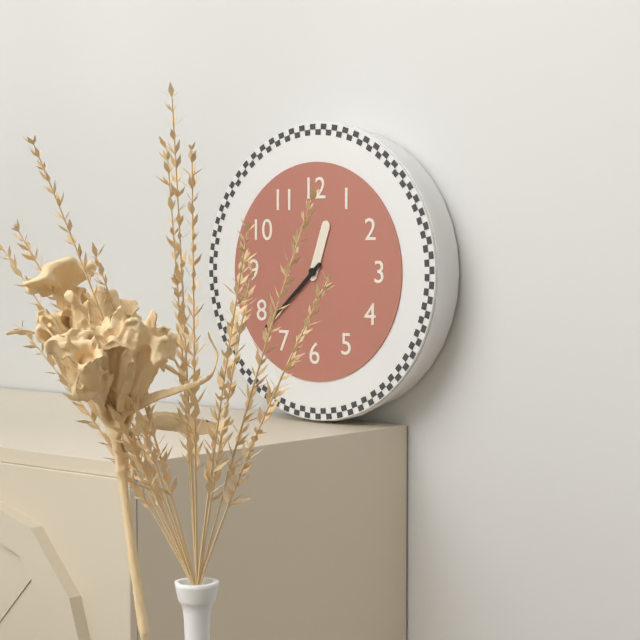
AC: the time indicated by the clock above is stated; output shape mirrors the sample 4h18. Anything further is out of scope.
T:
12h38
